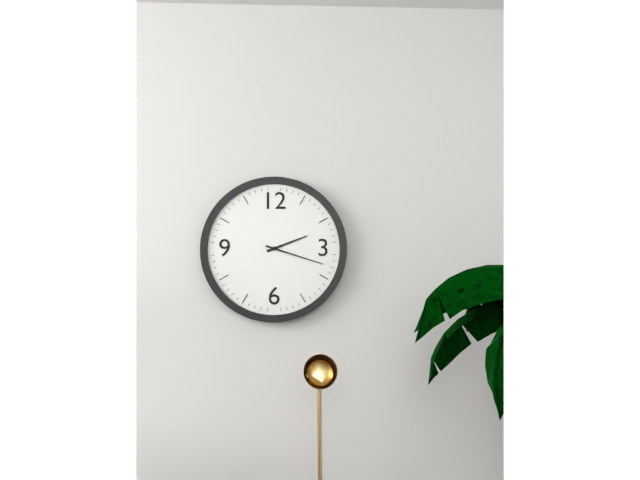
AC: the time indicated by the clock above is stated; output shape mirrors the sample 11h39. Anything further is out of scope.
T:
2h18
